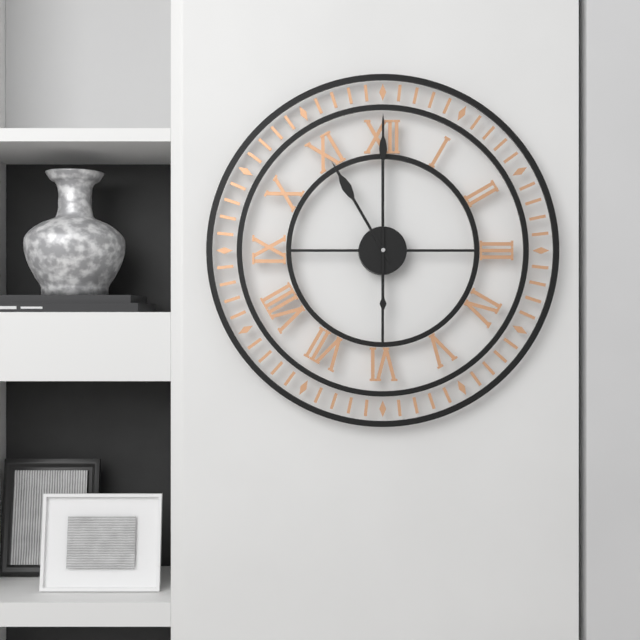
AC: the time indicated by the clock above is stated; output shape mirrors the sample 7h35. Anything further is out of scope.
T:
11h00
